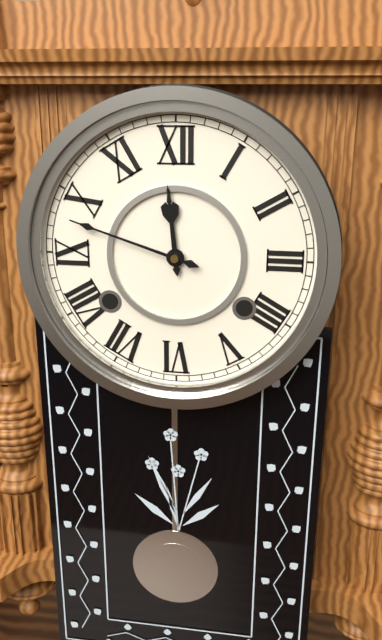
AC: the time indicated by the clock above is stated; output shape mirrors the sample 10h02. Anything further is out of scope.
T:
11h48
